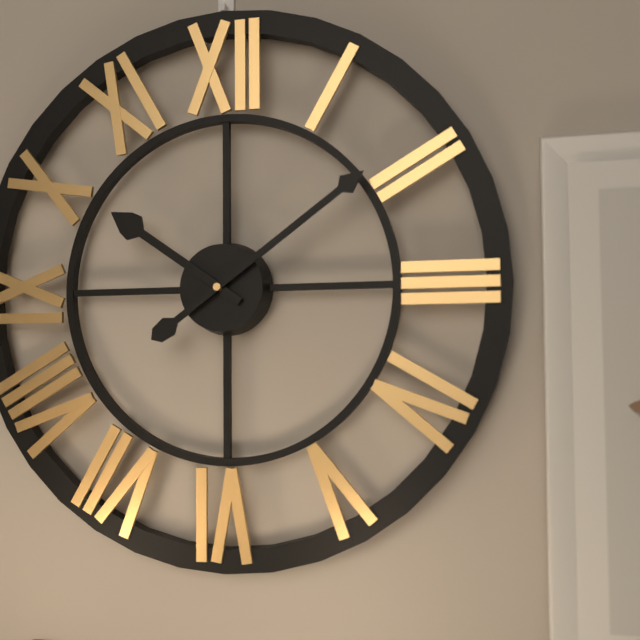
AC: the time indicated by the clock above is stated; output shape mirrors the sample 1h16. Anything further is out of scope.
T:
10h09
